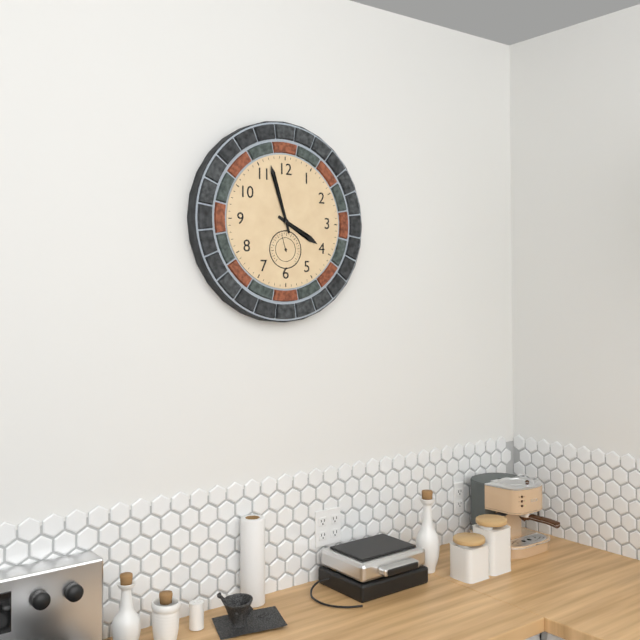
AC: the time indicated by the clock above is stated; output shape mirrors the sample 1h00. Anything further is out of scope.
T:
3h57
